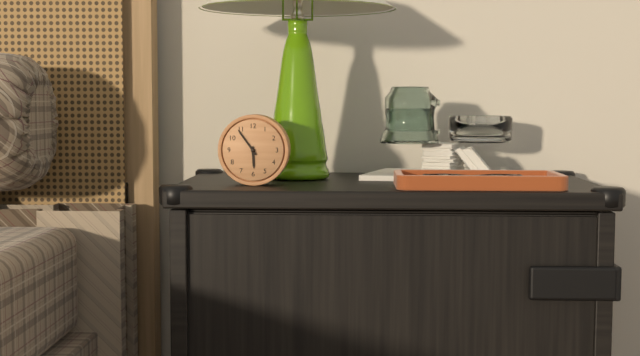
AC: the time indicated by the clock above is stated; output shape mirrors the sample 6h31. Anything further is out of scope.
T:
5h54
